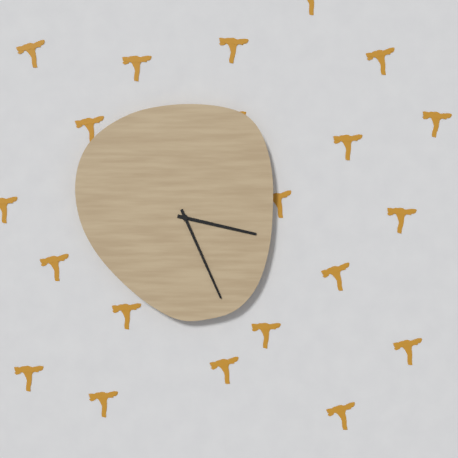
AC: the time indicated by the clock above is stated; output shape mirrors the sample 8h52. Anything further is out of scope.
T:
3h26
